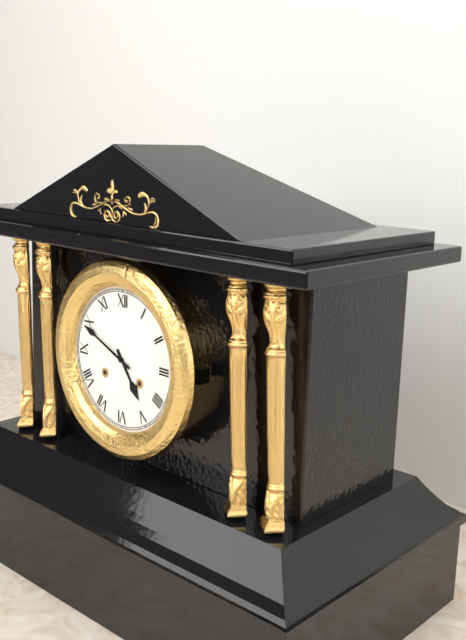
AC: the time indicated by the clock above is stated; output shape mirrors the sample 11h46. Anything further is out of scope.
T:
4h49
